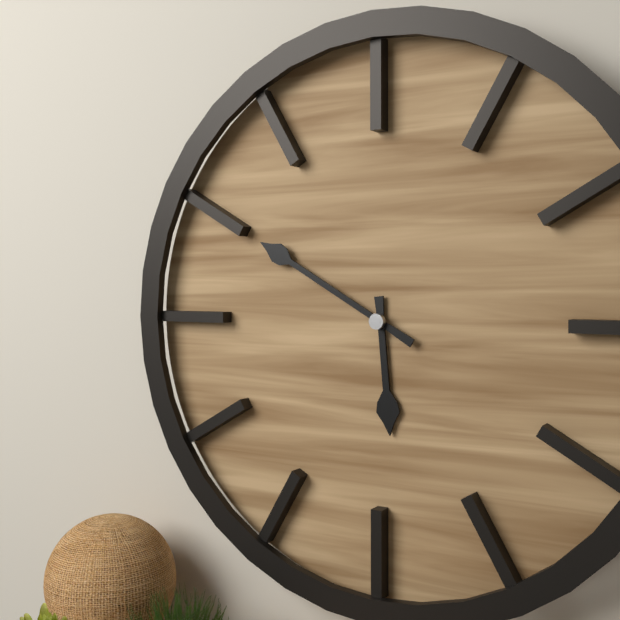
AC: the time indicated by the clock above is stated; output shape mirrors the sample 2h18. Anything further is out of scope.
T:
5h50
